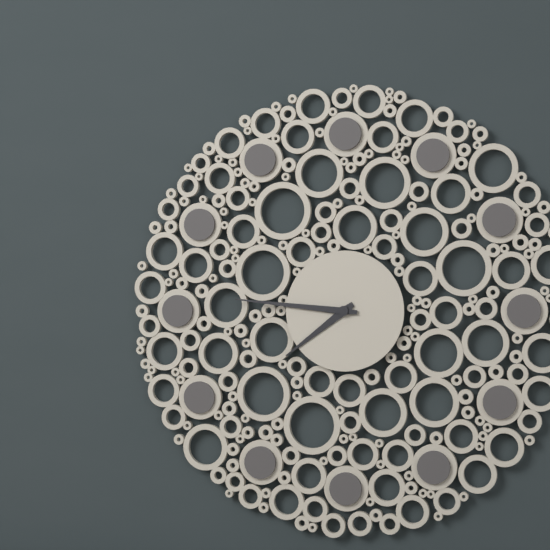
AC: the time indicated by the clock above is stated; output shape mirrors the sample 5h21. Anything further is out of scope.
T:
7h46
